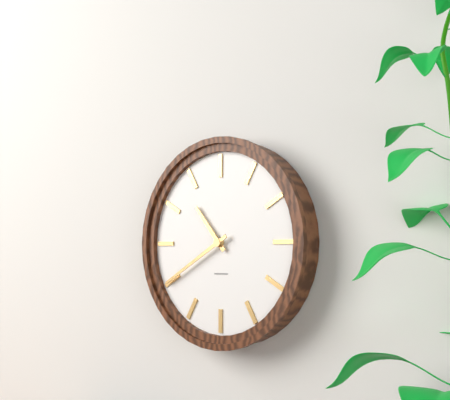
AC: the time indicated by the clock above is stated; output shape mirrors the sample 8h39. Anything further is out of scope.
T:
10h40
